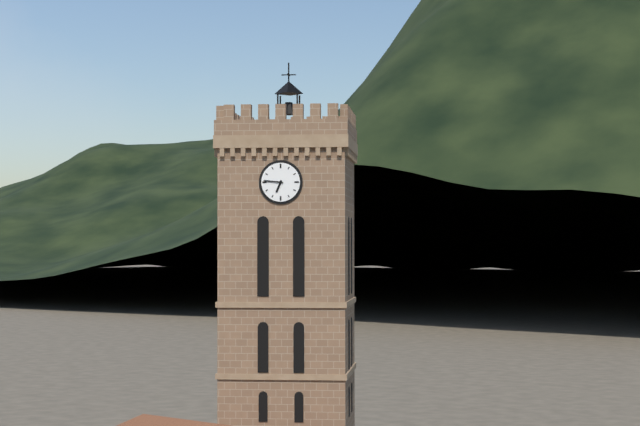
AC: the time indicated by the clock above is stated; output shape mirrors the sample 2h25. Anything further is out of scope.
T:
6h46
